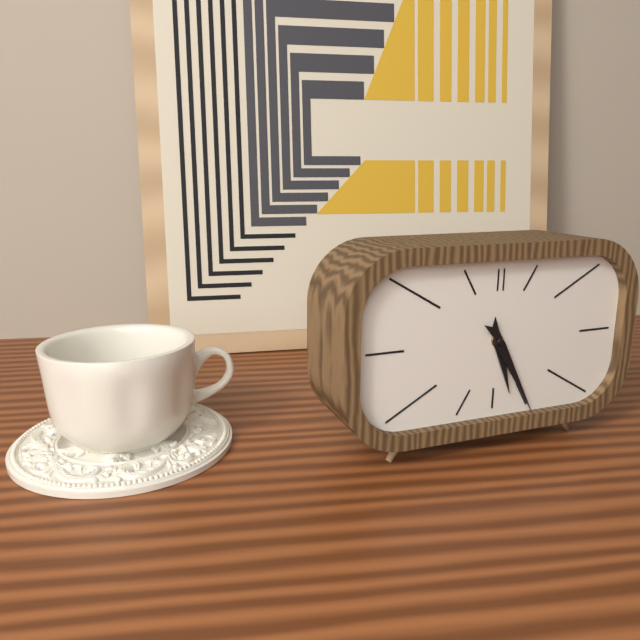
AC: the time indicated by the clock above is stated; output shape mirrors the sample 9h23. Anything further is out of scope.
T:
5h25
